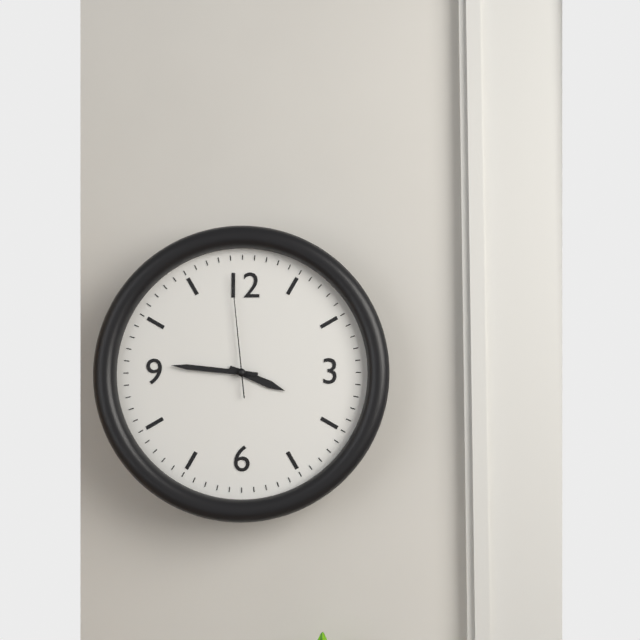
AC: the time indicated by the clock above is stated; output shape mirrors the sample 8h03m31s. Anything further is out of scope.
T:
3h46m59s
